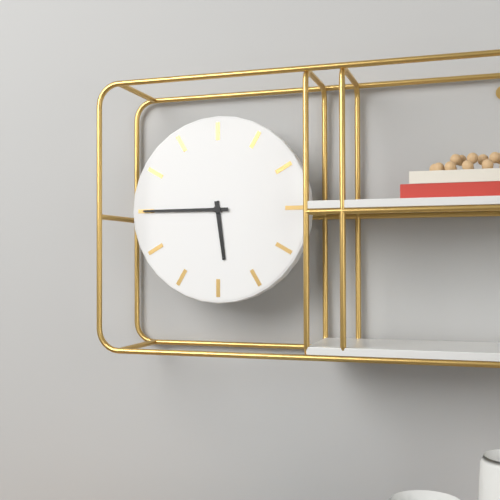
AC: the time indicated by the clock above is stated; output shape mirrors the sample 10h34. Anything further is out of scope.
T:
5h45
